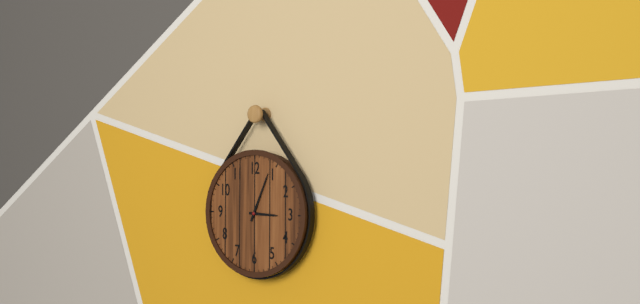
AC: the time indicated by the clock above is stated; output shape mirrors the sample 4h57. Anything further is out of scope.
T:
3h04
